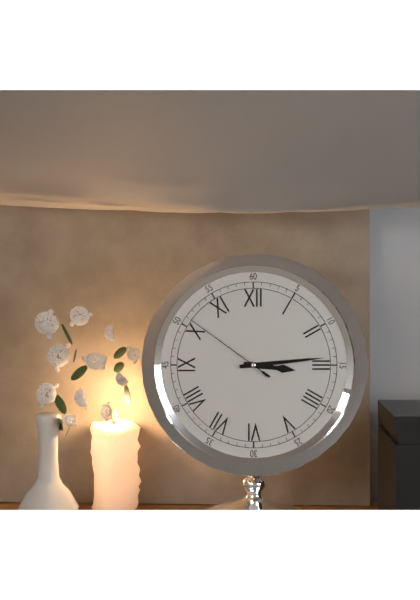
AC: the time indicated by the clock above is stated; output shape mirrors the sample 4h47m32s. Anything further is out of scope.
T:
3h14m51s
